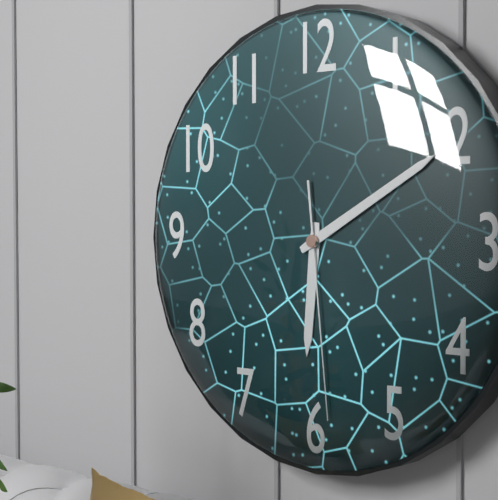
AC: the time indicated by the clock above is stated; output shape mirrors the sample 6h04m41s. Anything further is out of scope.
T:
6h10m29s
